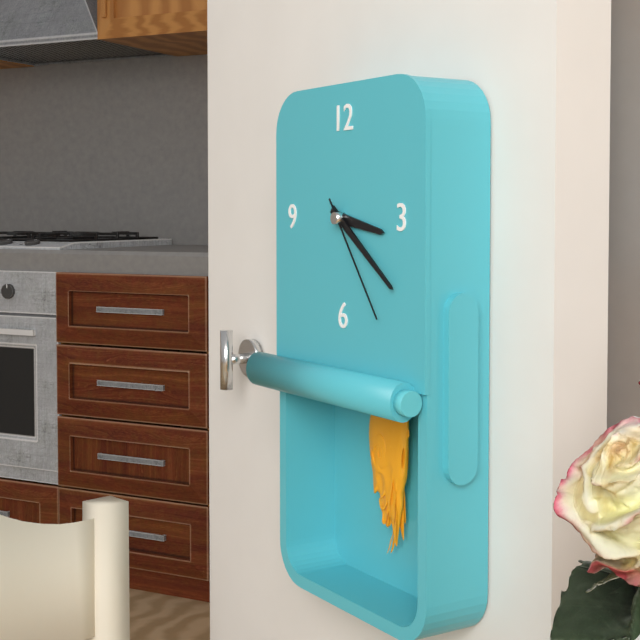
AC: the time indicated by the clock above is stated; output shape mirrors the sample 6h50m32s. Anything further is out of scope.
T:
3h21m24s
